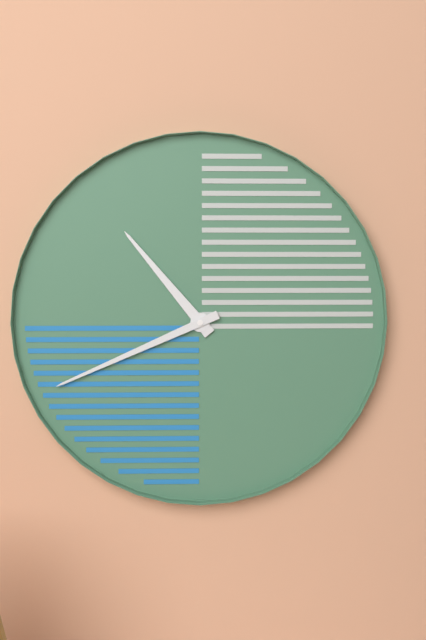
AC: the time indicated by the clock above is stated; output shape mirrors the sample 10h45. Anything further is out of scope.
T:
10h41
